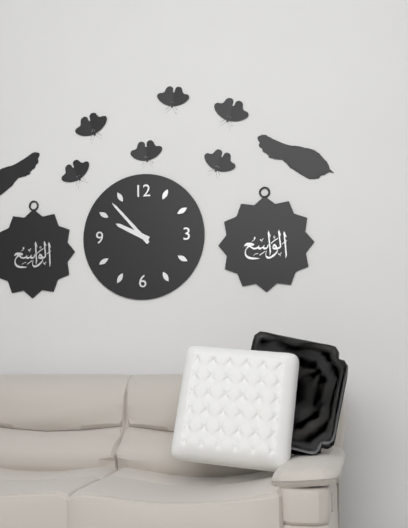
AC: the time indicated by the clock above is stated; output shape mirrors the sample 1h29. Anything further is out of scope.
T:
9h53
